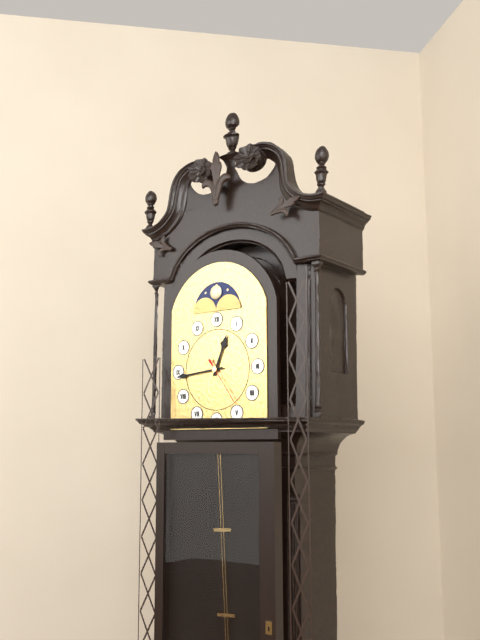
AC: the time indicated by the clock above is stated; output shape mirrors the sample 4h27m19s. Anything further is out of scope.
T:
12h44m24s
